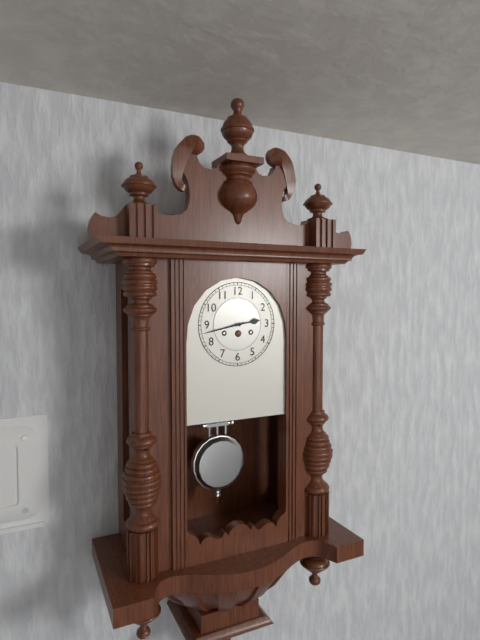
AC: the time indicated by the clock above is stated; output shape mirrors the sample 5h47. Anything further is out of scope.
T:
2h43
